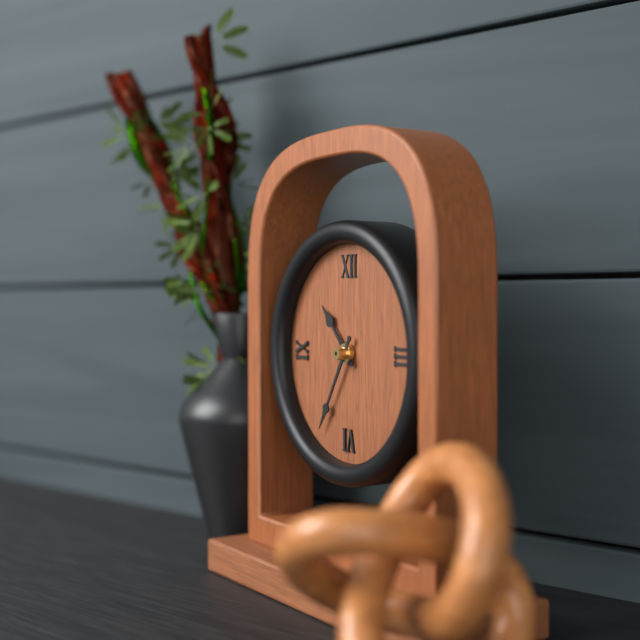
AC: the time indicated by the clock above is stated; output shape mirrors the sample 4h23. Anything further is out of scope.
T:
10h35
